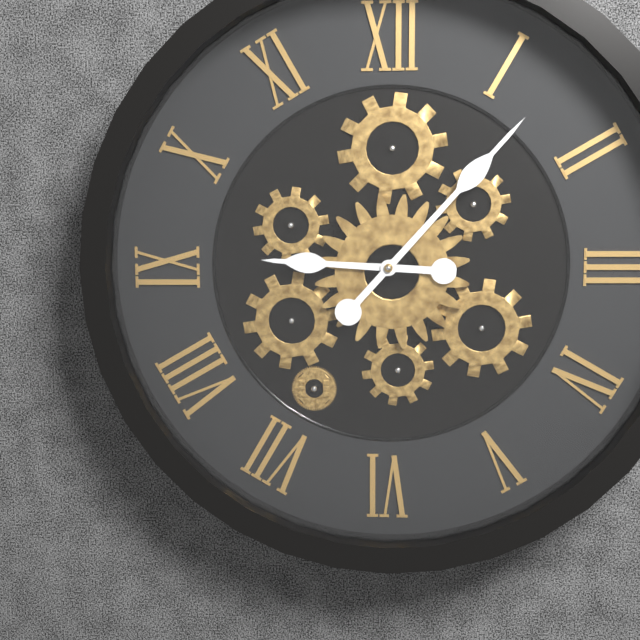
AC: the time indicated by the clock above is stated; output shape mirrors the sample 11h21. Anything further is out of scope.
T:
9h07
